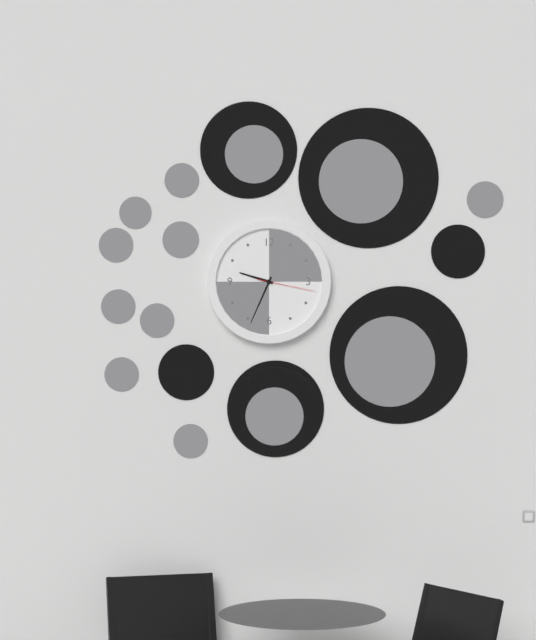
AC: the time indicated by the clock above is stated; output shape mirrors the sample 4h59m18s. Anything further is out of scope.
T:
9h34m17s
